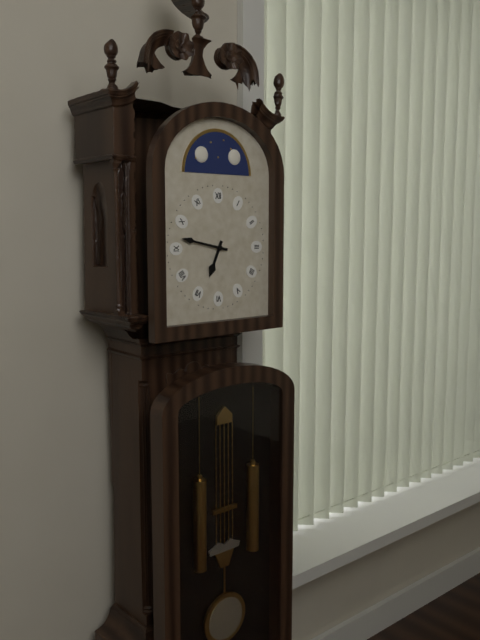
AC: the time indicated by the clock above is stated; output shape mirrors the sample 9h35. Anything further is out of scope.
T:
6h47
